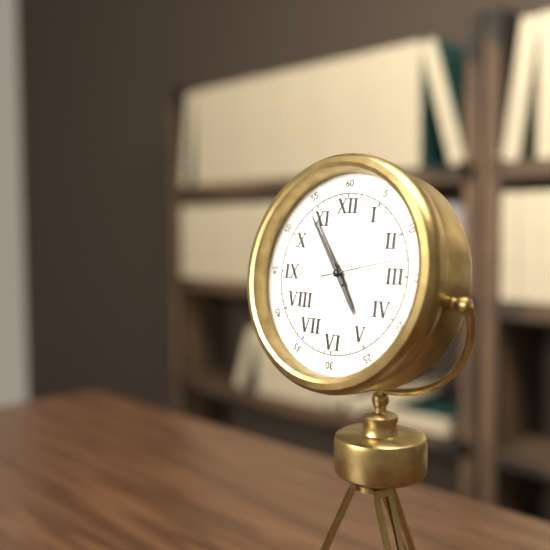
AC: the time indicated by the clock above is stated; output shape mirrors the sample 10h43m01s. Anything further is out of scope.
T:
4h54m13s
